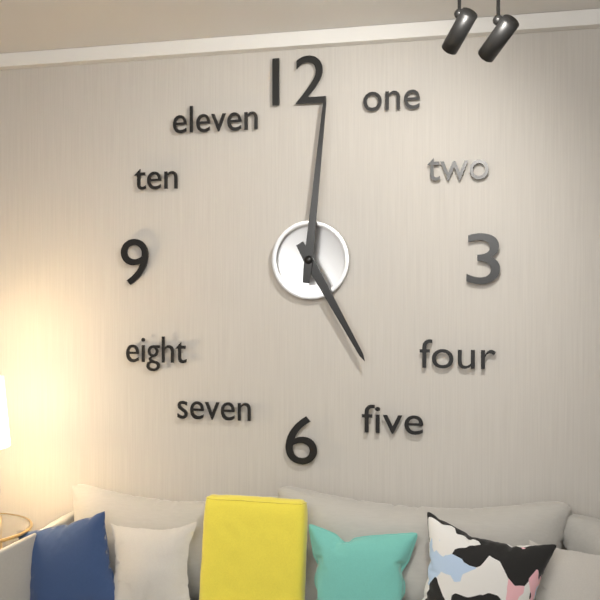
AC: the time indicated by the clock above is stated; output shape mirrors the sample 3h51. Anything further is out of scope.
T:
5h01
